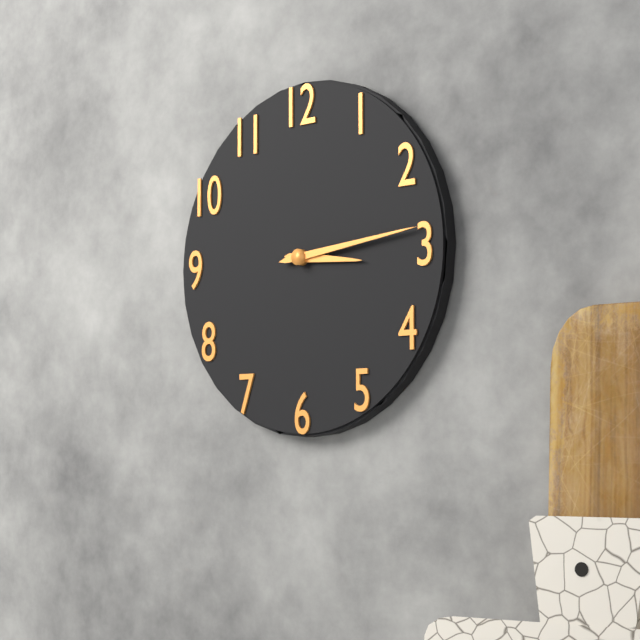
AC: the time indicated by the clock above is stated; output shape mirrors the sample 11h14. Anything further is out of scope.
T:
3h14
